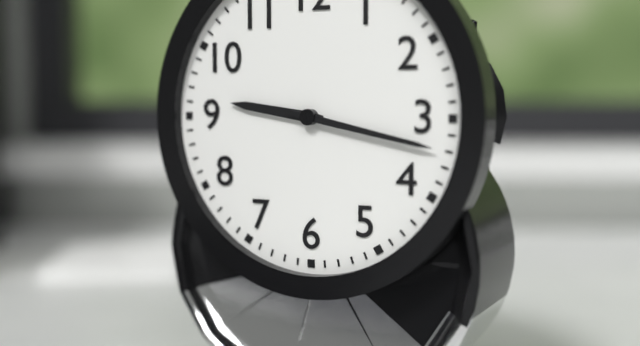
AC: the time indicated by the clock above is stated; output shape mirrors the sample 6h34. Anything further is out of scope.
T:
9h17
